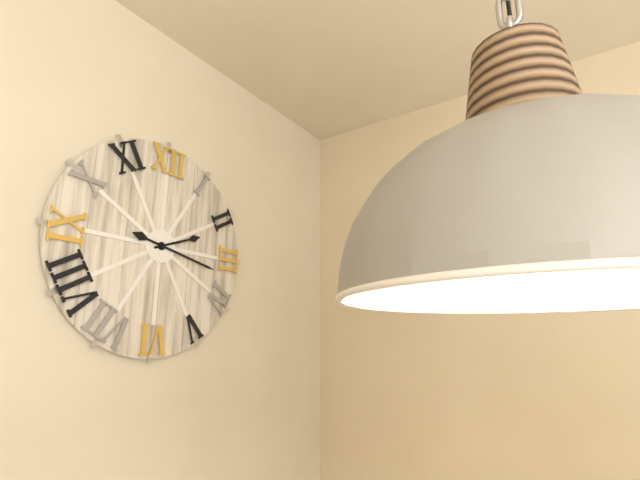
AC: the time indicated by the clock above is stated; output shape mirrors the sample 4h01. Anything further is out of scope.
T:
2h17
